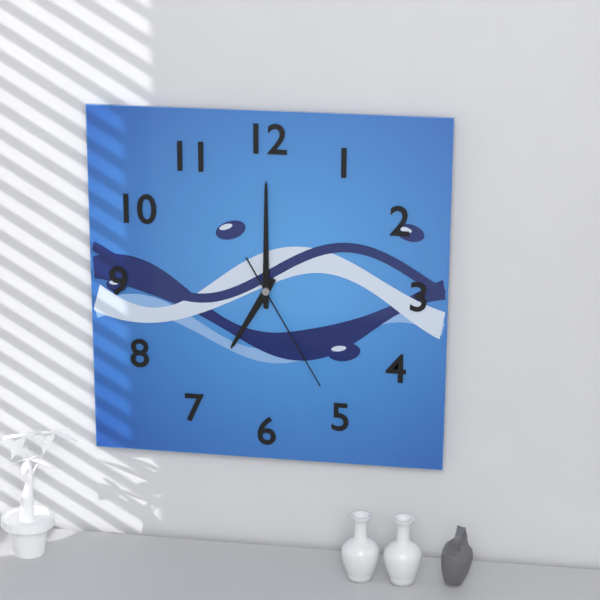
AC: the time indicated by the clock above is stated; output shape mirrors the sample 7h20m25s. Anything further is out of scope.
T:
7h00m25s
